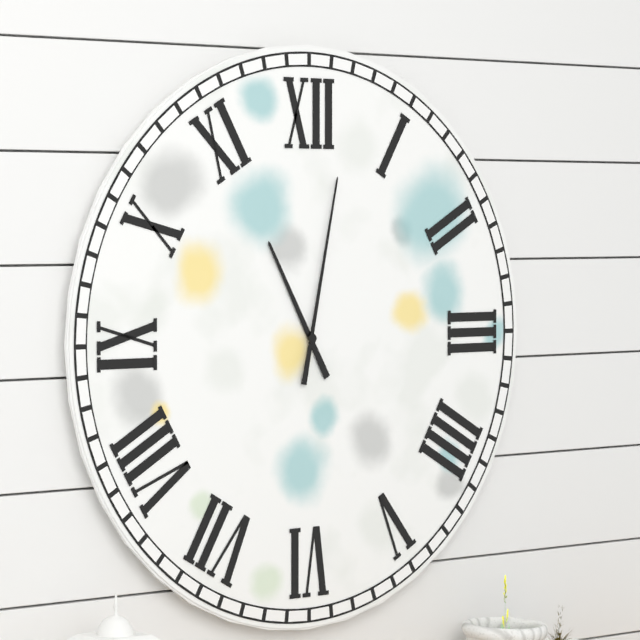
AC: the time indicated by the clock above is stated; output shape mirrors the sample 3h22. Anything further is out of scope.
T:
11h02
